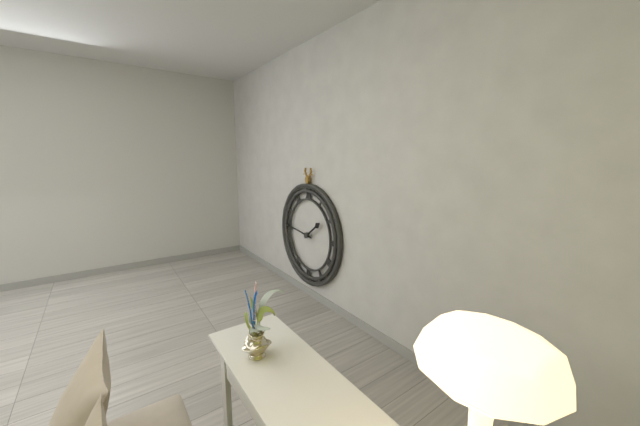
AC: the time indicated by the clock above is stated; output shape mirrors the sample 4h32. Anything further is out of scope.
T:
1h46
